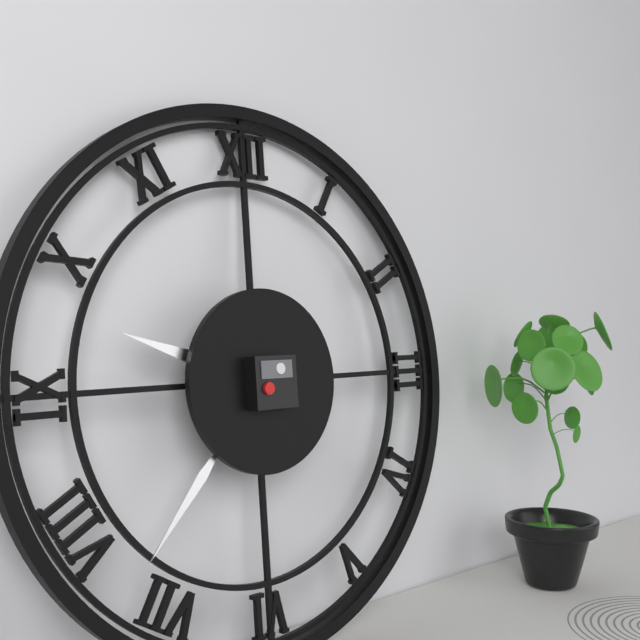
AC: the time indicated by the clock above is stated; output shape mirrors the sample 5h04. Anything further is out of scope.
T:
9h37
